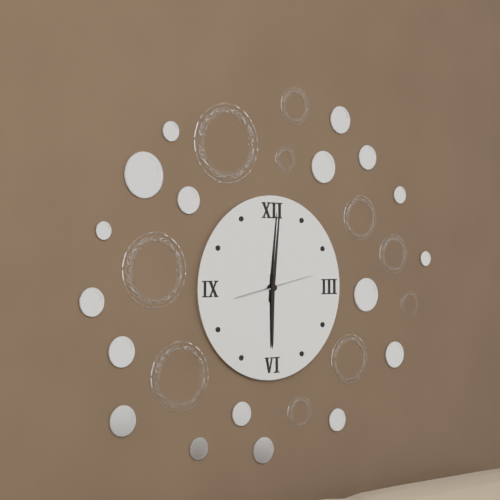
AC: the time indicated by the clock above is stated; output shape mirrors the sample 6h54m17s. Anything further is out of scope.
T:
6h01m13s
